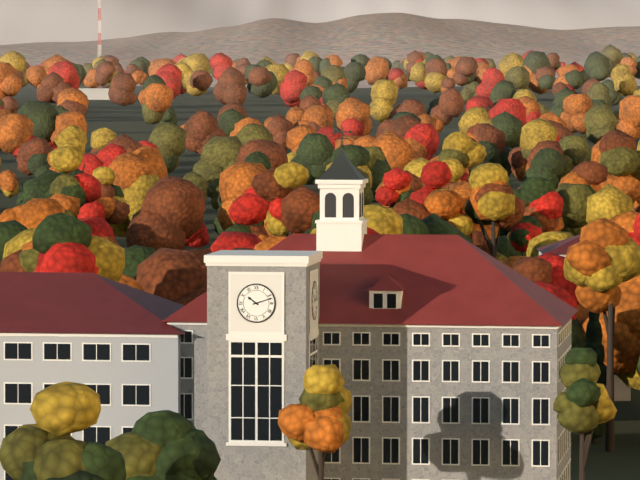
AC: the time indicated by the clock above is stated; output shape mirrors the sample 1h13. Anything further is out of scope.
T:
10h12
